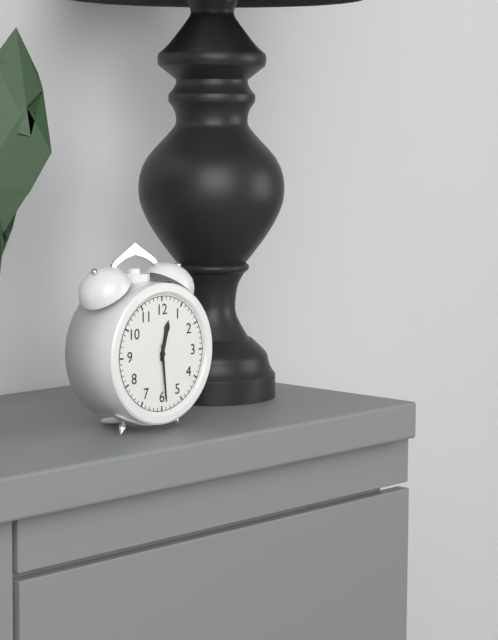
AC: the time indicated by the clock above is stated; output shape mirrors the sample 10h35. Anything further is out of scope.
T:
12h29
